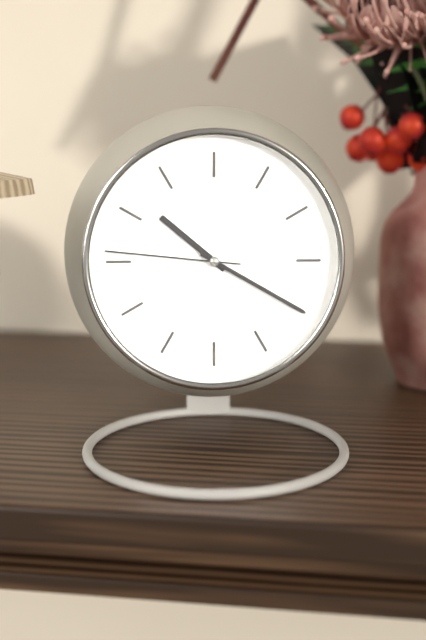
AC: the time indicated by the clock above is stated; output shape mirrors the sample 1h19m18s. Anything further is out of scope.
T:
10h20m46s
